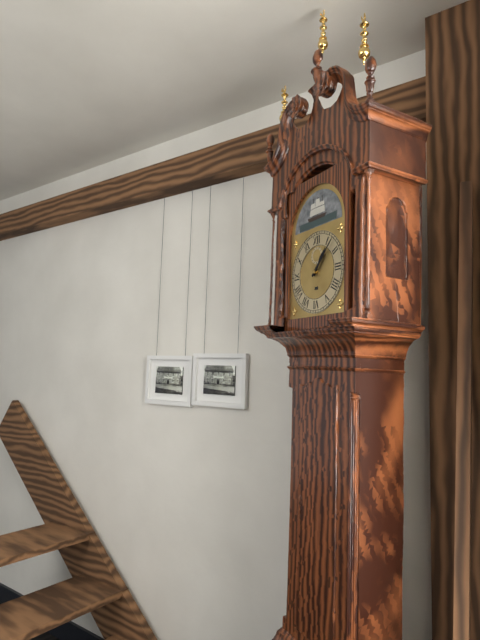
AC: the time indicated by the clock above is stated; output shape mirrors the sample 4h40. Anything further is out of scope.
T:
1h07
